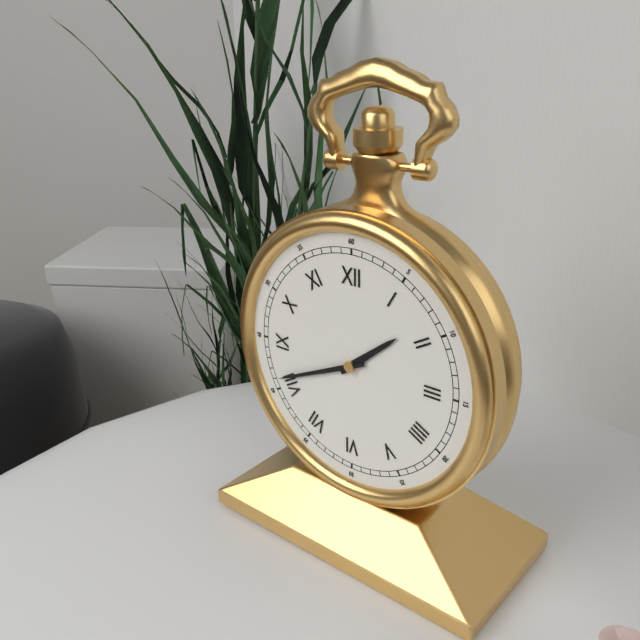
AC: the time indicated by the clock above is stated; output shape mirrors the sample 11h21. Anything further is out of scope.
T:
1h41
